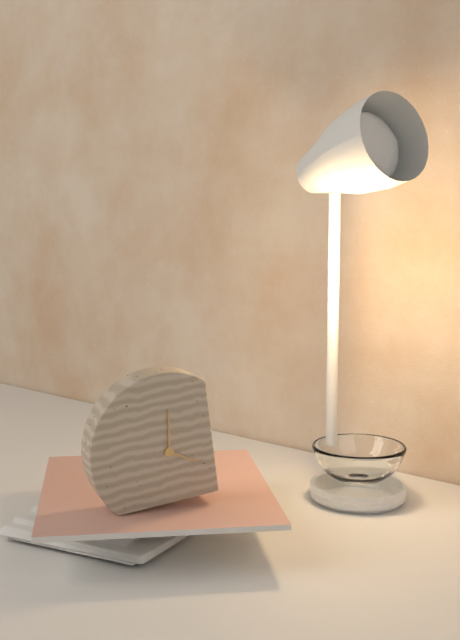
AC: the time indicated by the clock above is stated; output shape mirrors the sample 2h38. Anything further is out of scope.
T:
4h01
